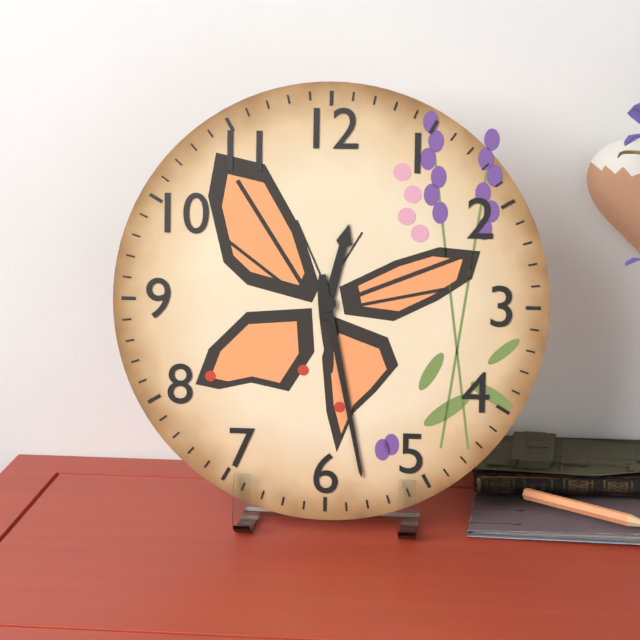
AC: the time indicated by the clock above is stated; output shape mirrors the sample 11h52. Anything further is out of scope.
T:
12h28
